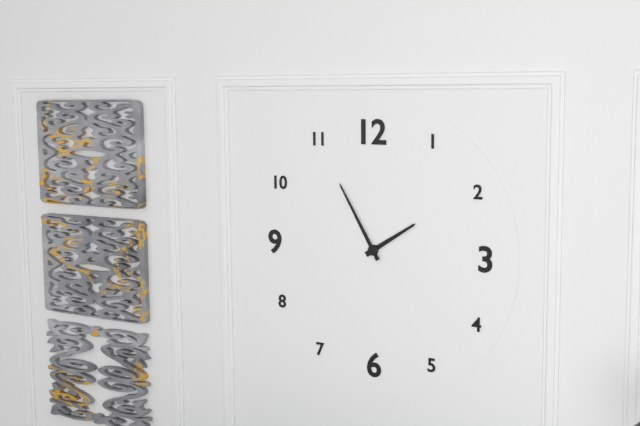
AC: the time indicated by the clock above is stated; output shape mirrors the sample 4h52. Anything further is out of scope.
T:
1h55
